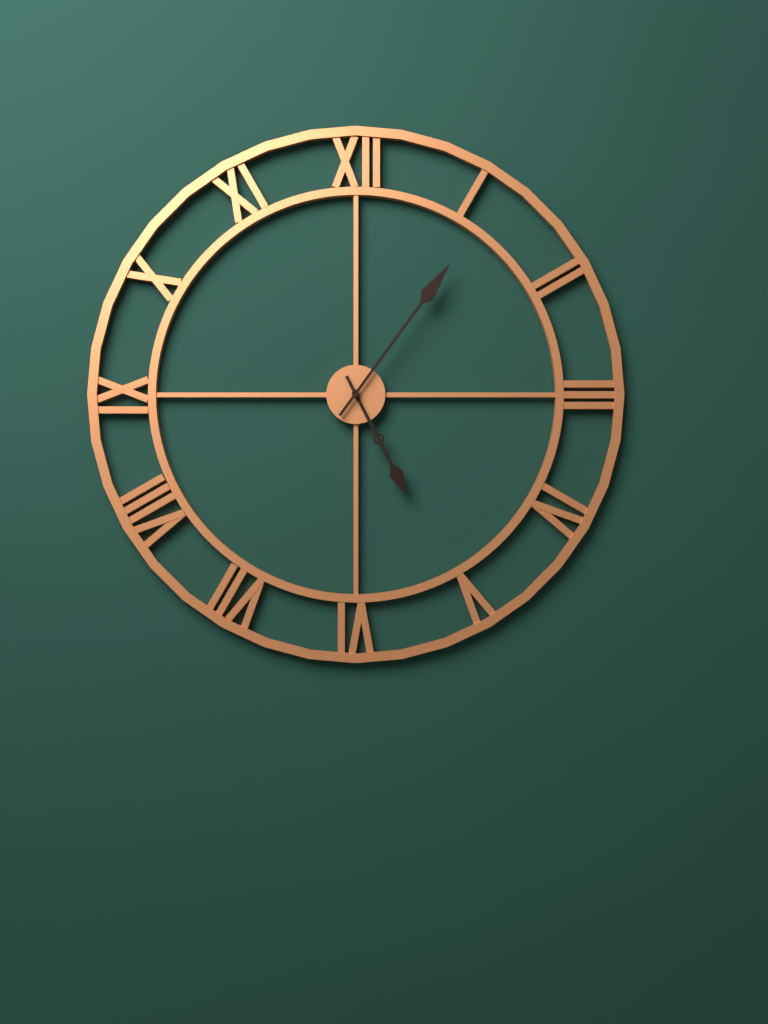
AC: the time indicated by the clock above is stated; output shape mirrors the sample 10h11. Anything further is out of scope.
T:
5h06
